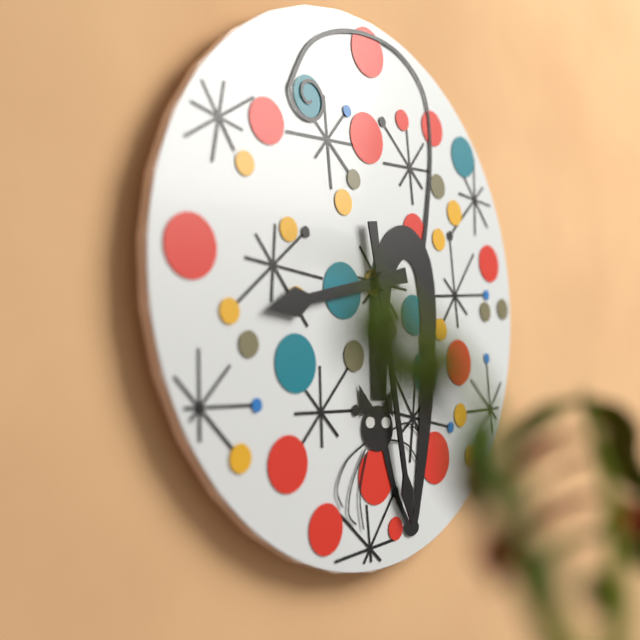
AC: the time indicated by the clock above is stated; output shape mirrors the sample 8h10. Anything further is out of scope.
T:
8h28
